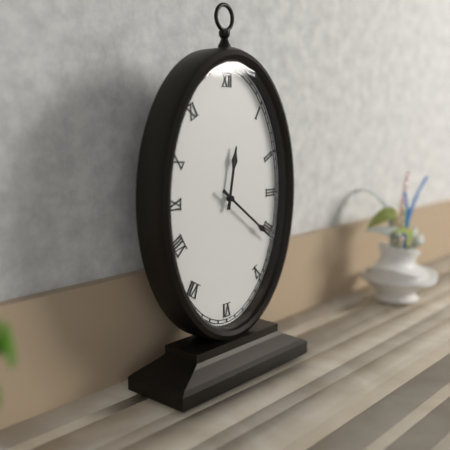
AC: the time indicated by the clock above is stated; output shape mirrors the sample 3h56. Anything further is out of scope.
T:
12h21
